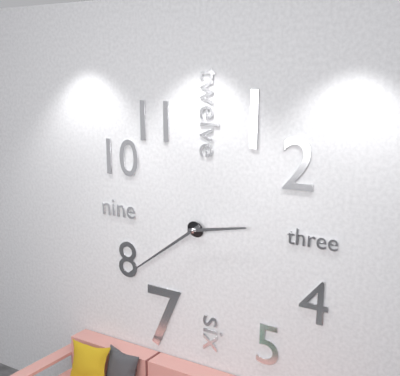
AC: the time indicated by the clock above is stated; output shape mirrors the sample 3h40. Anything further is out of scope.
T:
2h39
